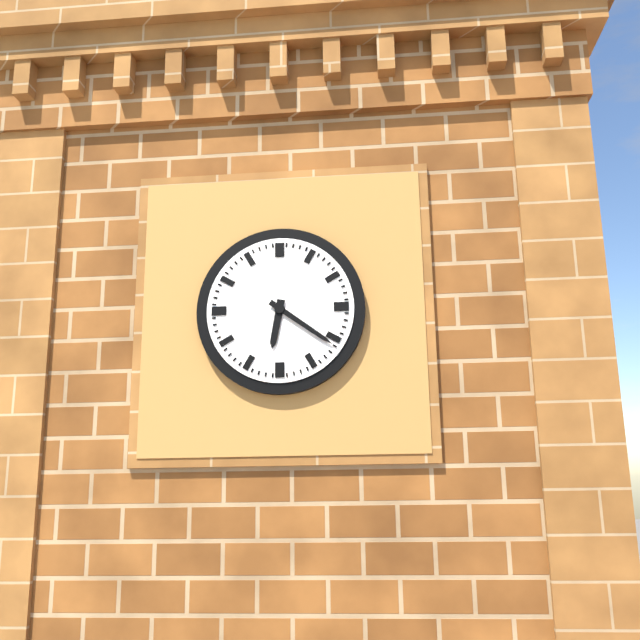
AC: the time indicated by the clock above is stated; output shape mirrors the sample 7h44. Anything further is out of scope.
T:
6h21
